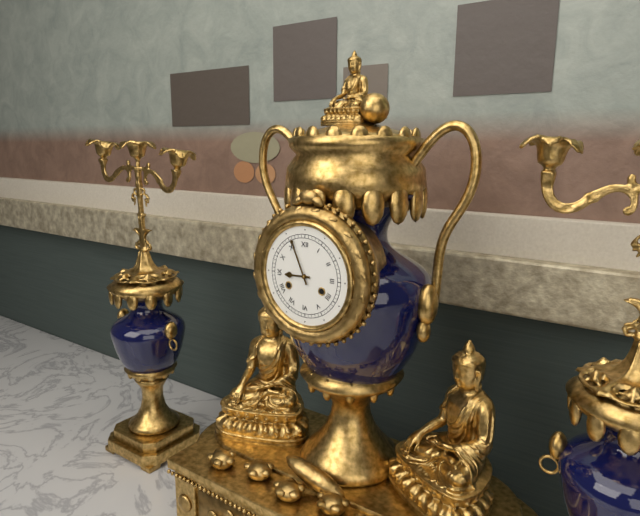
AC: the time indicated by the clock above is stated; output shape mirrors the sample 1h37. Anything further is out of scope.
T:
8h56
